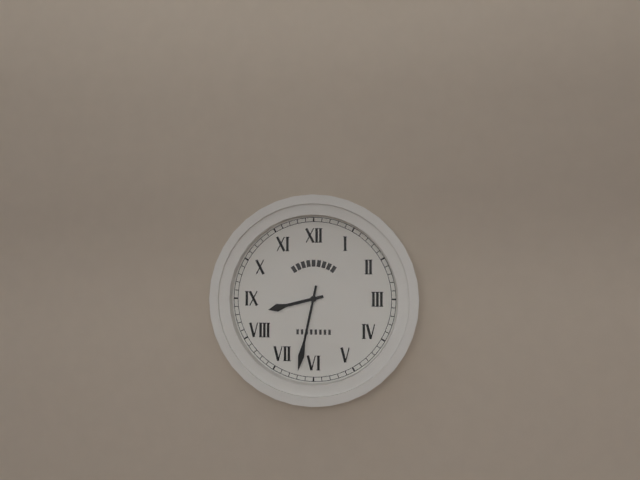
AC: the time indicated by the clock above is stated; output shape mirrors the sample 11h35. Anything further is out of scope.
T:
8h32
